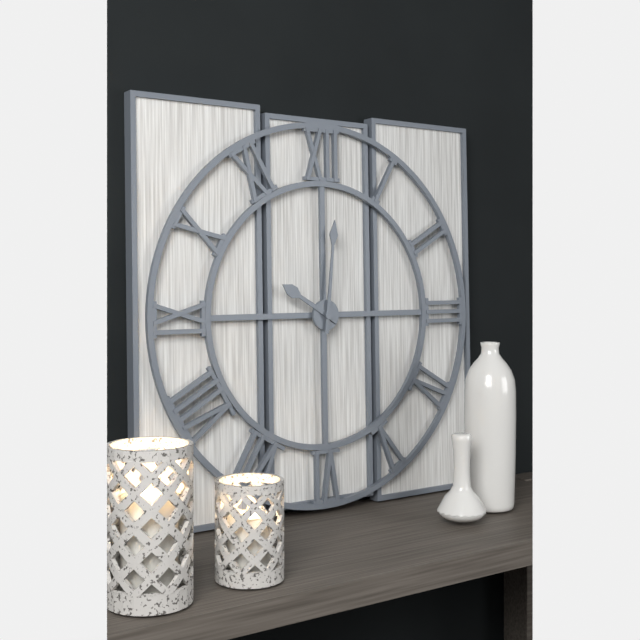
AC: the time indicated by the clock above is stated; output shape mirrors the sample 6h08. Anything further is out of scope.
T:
10h01
